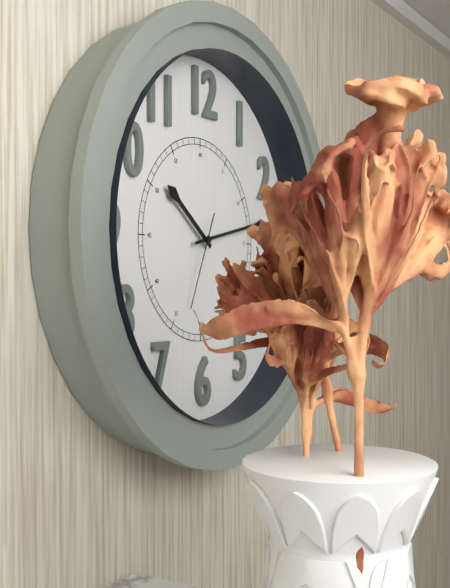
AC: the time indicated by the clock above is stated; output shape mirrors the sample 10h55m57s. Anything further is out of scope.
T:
10h13m34s
